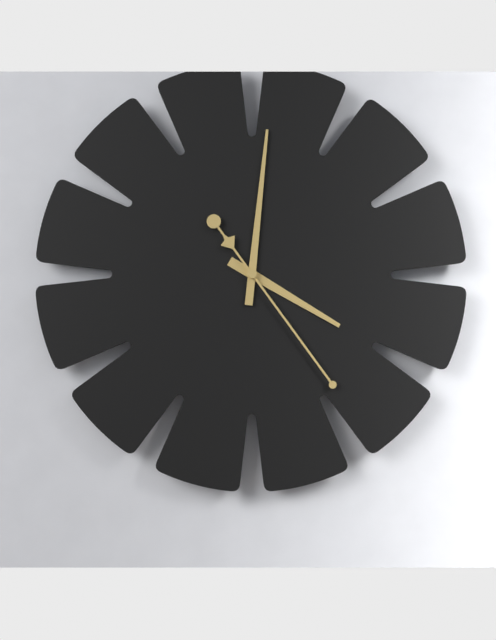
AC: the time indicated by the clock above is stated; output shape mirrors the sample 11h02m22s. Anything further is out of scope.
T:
4h01m24s
